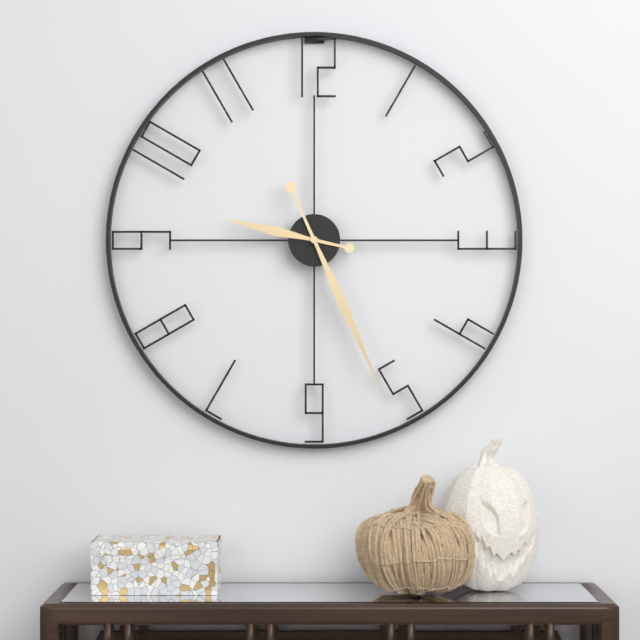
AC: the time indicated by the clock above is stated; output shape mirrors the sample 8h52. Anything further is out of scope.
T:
9h26
